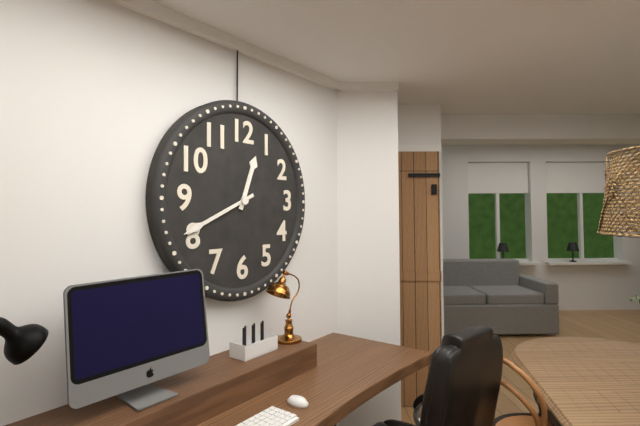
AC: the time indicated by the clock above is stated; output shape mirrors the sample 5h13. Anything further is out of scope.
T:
12h41
